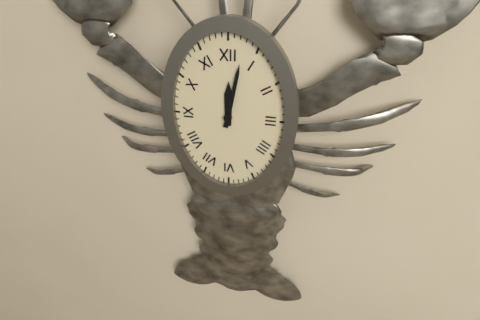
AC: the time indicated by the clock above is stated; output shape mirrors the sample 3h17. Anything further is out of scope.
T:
12h02
